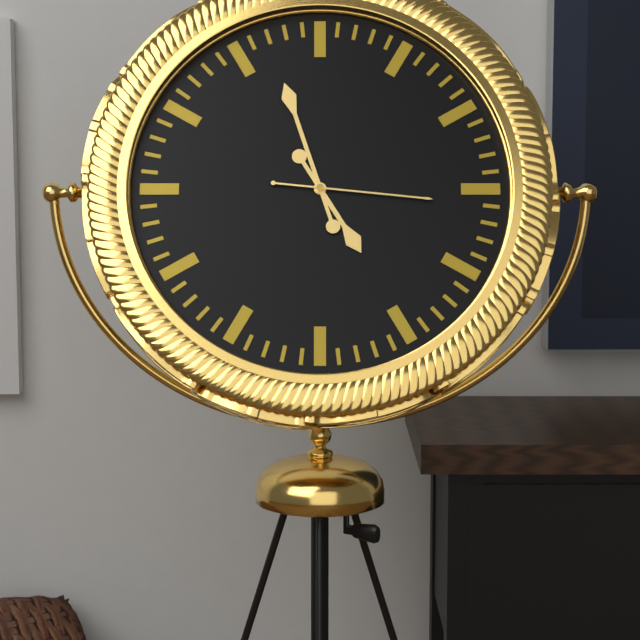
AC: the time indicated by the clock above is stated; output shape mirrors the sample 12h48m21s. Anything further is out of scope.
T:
4h57m16s
